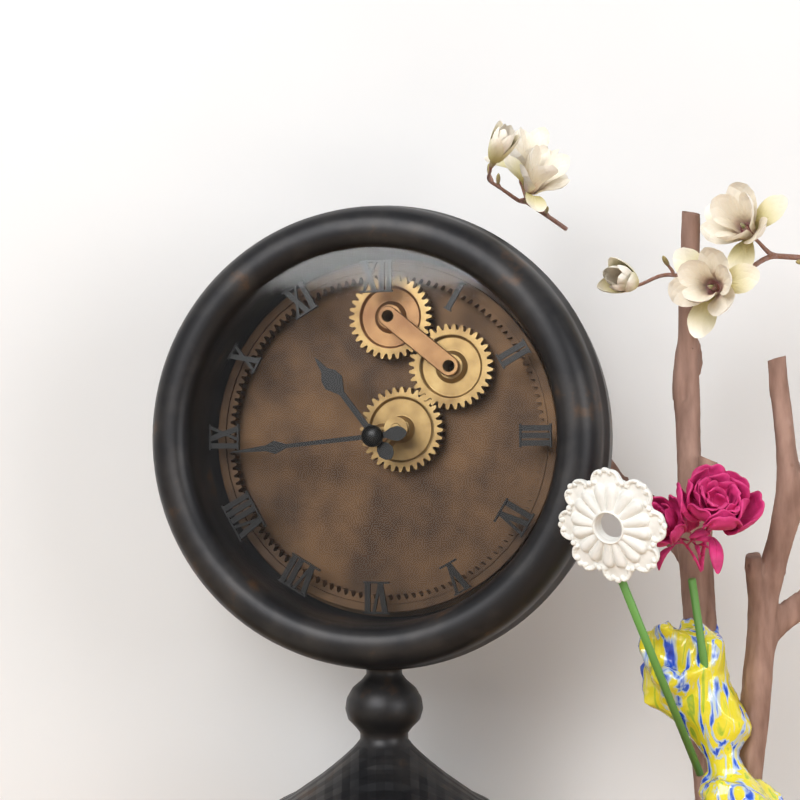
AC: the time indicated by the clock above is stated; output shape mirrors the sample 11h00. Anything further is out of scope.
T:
10h44
